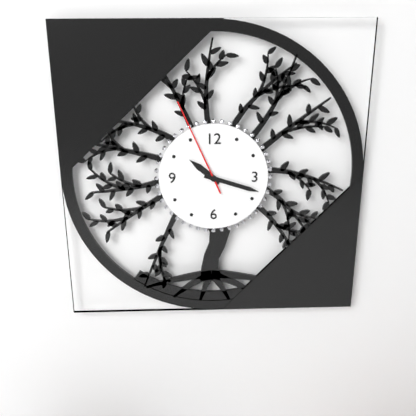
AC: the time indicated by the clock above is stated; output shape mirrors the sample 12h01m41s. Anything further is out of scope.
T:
10h18m56s
